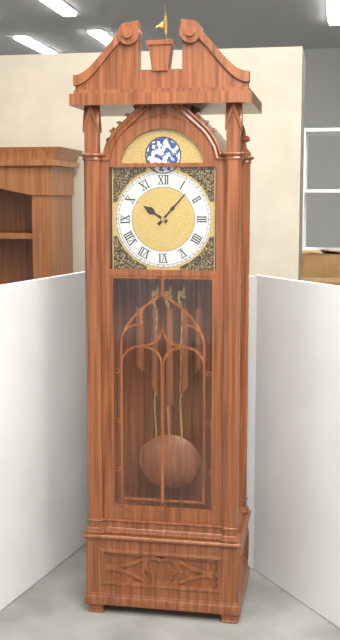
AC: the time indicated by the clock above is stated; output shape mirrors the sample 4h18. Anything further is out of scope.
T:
10h07
